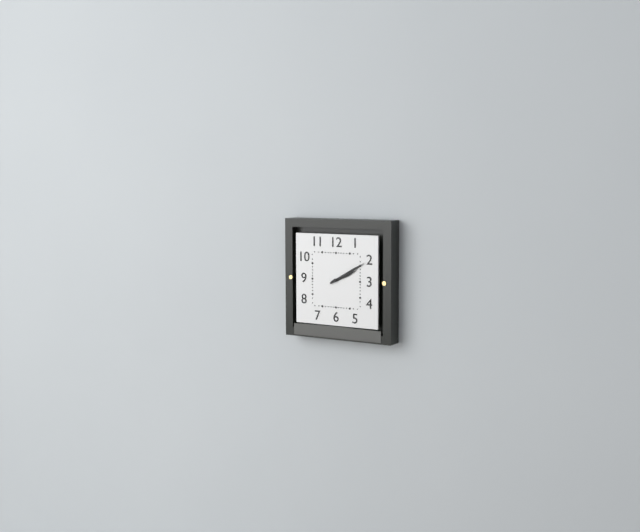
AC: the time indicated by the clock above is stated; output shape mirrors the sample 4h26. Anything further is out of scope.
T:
2h10
